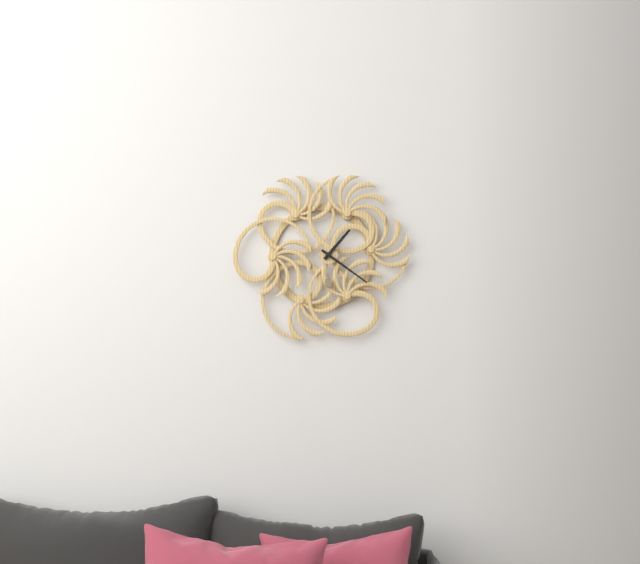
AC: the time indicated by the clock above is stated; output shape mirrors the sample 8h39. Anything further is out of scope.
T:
1h21
